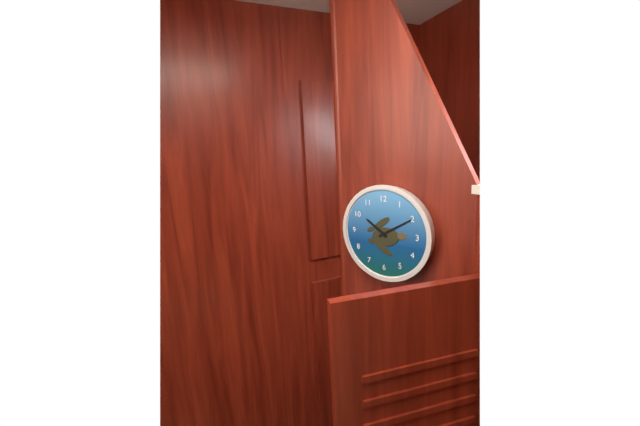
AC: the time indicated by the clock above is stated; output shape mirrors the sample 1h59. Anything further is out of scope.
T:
10h10
